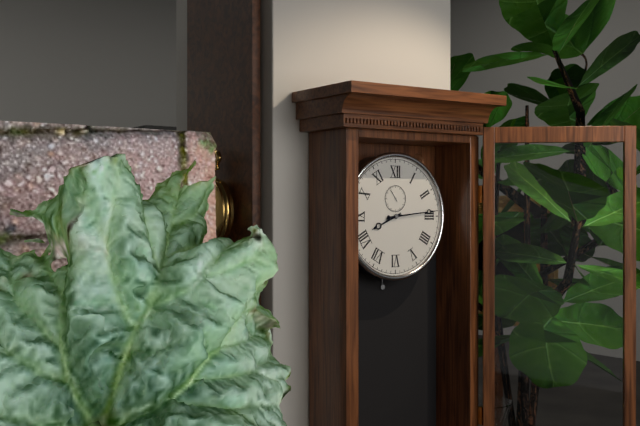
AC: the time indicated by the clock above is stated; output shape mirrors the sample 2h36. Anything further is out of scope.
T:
8h14
